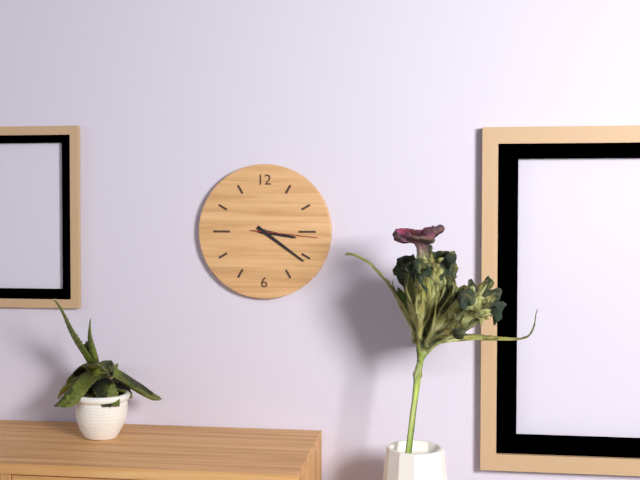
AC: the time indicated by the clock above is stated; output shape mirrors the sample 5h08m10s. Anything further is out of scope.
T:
3h21m16s
